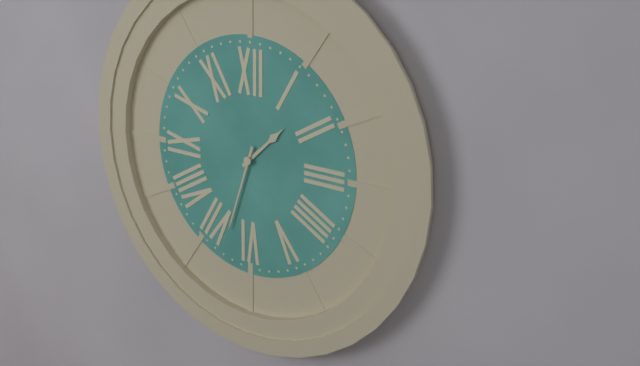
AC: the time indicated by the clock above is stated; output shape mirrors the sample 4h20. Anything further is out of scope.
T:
1h33
